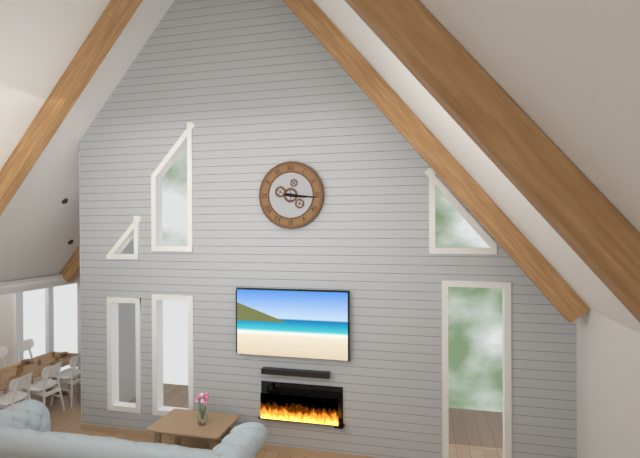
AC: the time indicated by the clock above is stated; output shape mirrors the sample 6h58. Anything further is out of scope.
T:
3h16
